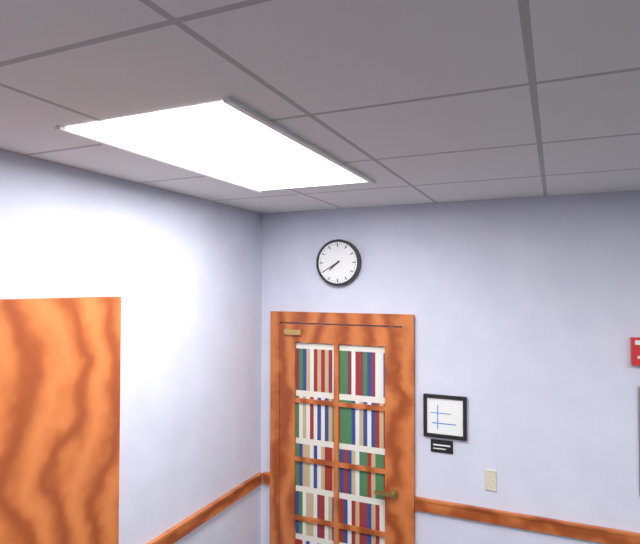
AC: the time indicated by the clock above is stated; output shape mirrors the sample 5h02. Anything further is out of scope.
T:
7h40
